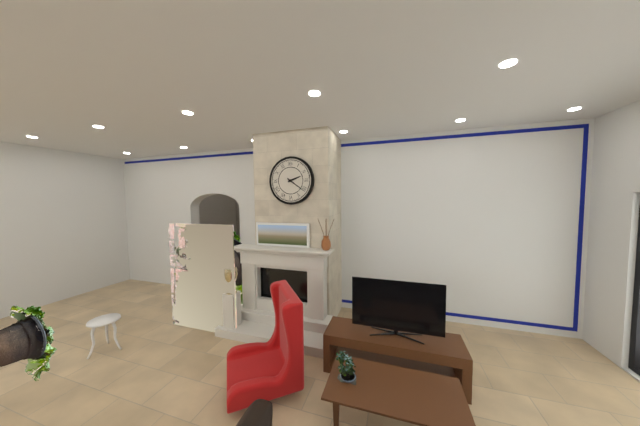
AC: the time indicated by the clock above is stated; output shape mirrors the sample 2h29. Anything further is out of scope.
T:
2h21
